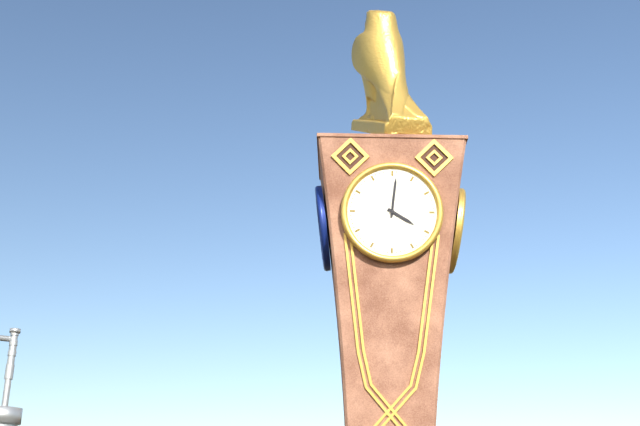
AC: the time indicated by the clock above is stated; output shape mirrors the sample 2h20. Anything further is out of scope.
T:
4h01
